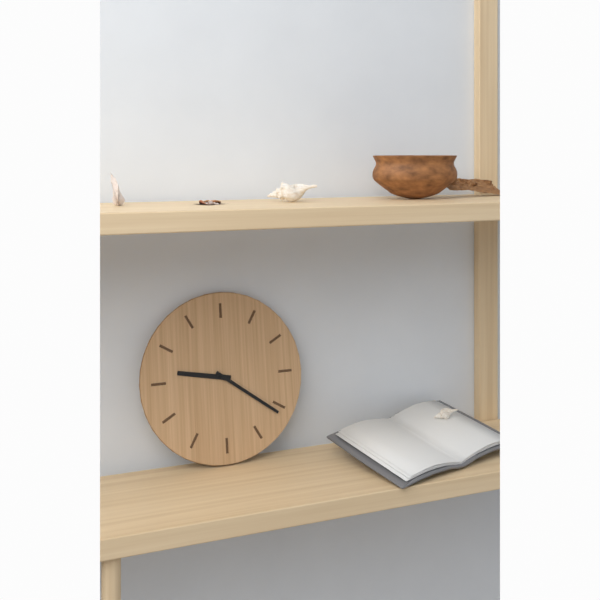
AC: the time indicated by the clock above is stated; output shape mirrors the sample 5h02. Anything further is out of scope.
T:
9h21
